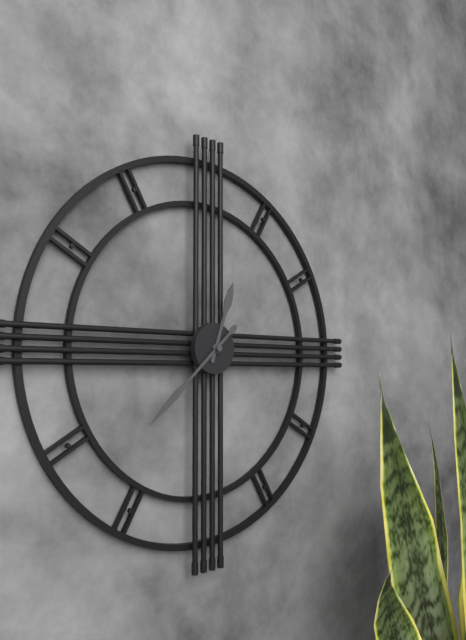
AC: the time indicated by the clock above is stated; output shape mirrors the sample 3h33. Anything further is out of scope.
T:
12h38
